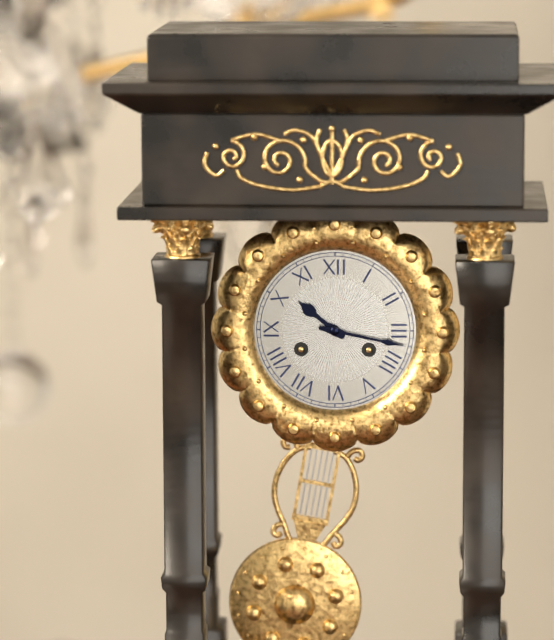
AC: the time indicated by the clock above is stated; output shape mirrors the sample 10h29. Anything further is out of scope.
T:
10h17
